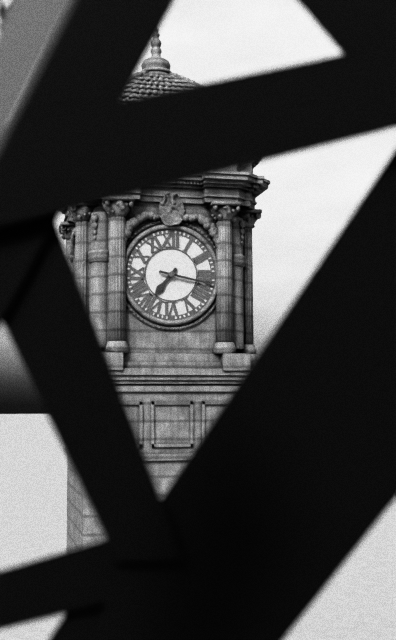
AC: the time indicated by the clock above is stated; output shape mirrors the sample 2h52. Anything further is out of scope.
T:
7h17
